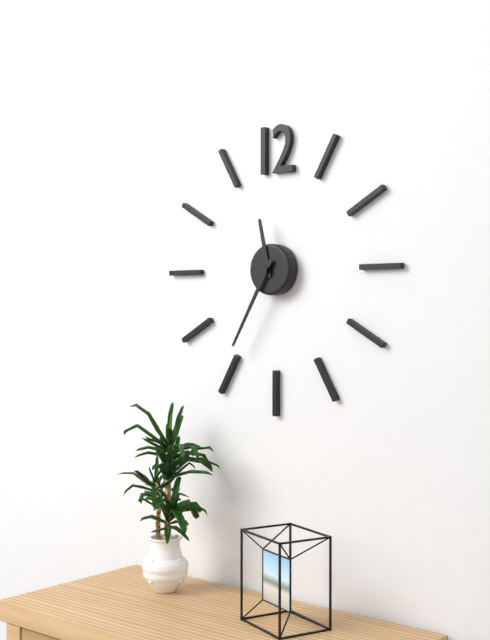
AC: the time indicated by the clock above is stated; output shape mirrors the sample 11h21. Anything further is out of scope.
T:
11h35
